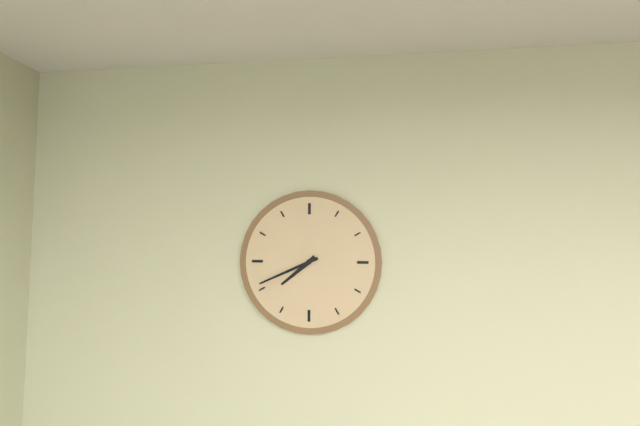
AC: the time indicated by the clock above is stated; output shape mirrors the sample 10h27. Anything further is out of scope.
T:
7h41
